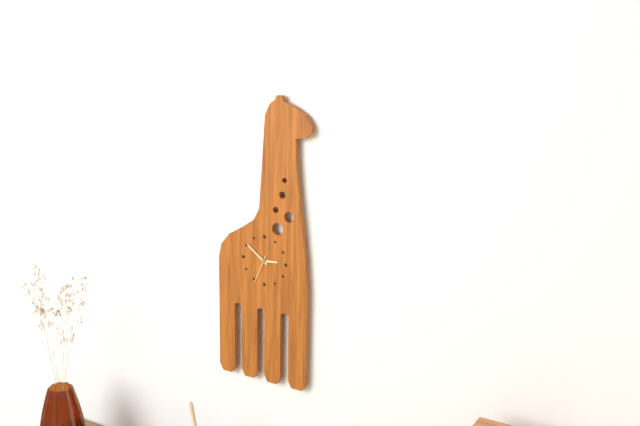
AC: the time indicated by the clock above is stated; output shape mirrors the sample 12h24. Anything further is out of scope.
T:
2h51
